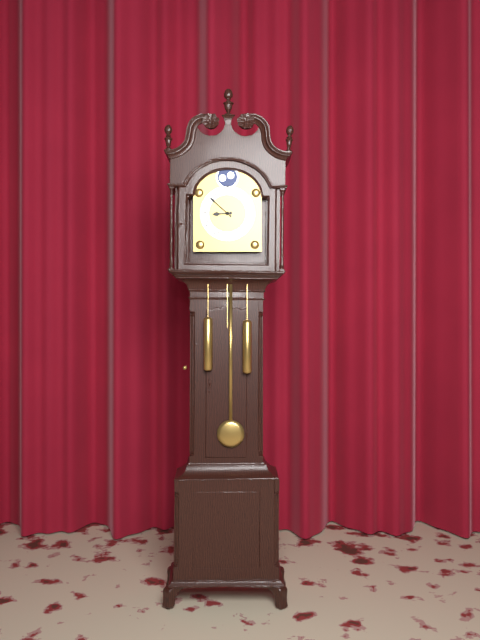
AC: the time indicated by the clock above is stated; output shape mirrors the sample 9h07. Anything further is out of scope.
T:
8h52
